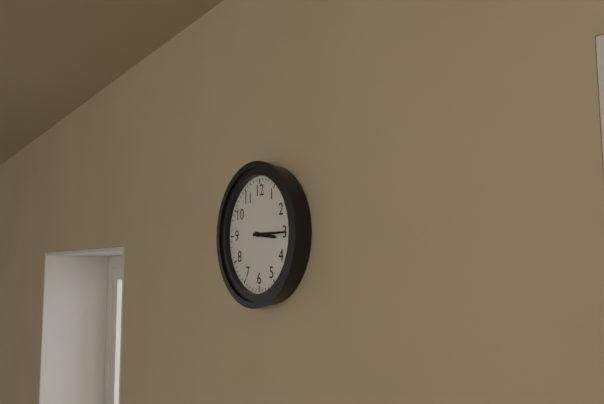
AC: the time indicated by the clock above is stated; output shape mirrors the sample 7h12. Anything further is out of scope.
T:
3h15
